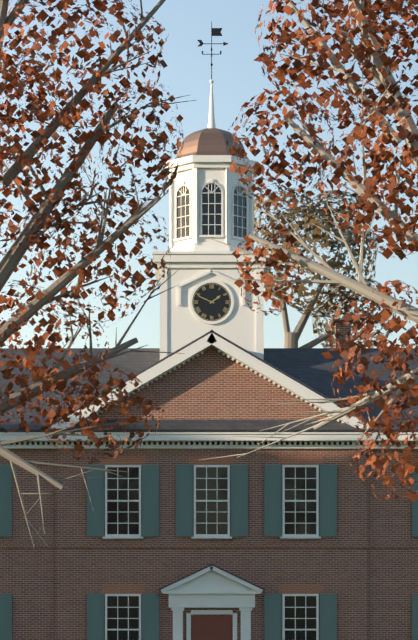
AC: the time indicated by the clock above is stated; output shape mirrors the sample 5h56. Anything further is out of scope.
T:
1h49
